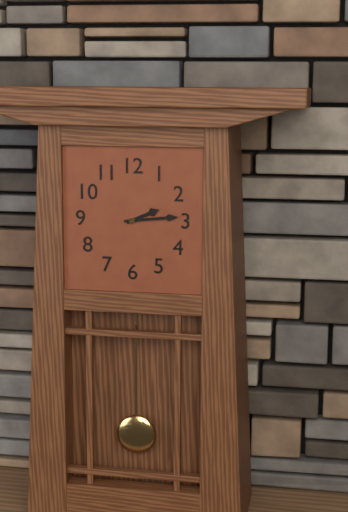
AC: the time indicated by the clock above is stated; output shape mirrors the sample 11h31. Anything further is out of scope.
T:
2h14
